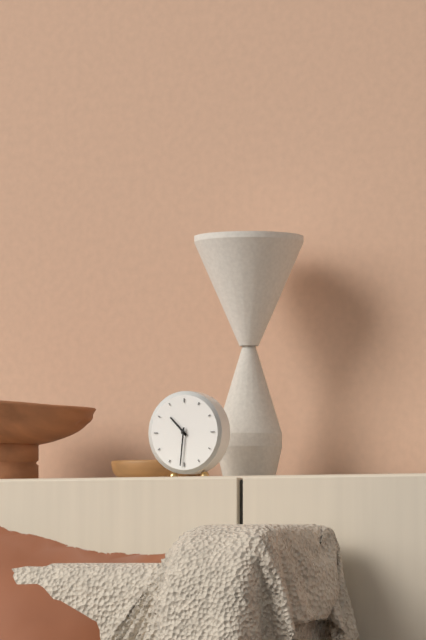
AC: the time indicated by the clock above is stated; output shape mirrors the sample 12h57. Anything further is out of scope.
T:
10h31
